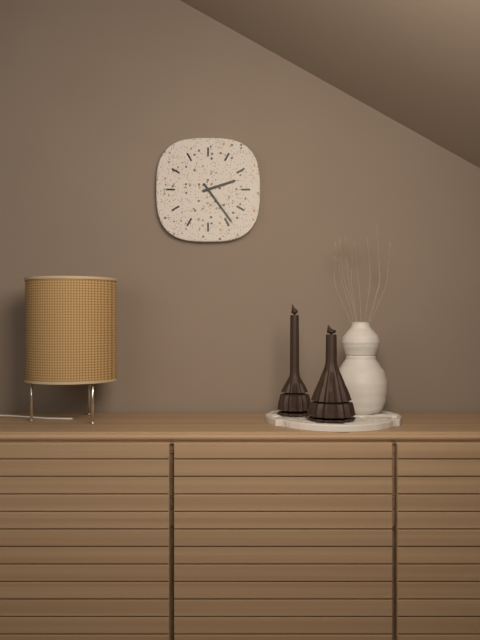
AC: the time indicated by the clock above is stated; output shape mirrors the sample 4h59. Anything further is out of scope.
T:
2h24
